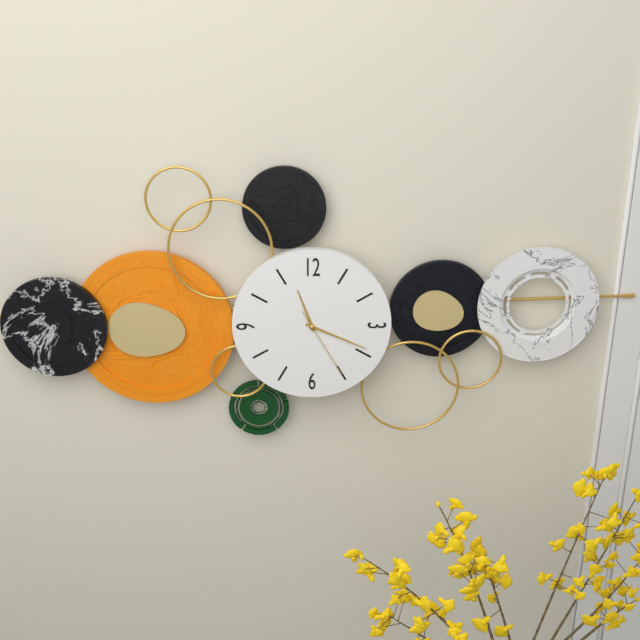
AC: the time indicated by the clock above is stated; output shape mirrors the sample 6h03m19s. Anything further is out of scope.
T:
11h19m25s
